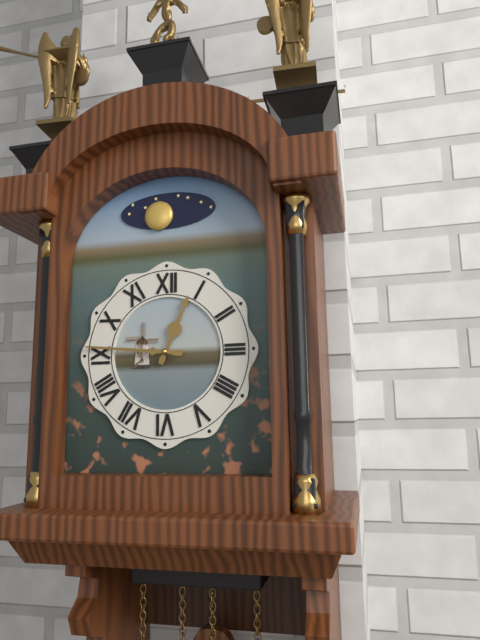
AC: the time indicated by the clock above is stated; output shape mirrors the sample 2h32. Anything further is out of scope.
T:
12h46
